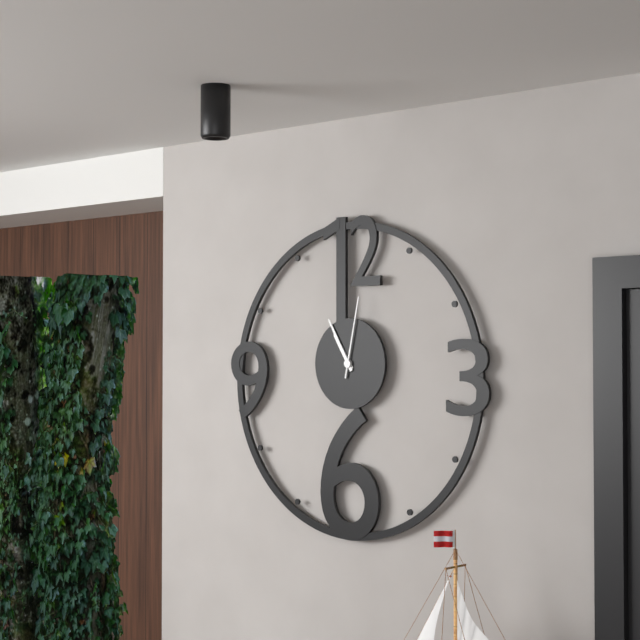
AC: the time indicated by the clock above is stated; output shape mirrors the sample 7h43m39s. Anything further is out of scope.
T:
10h55m02s
